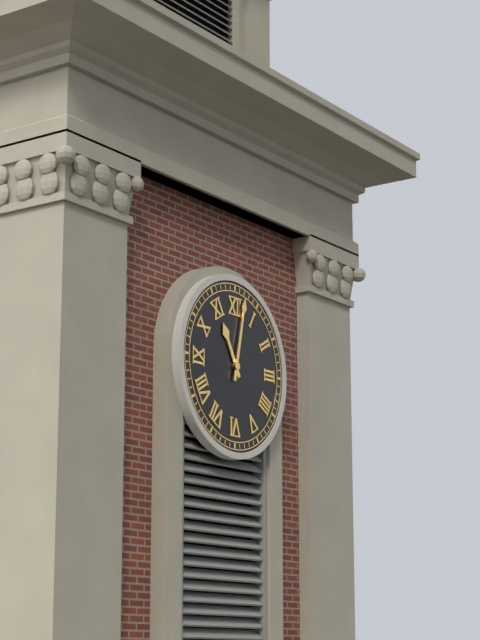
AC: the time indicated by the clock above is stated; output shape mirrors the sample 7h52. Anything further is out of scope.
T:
11h02
